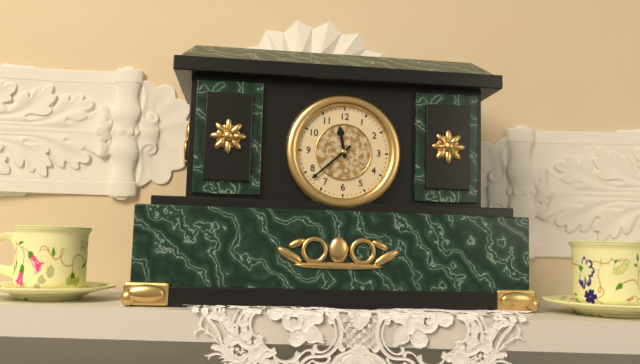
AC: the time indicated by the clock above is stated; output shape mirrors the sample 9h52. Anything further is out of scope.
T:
11h38
